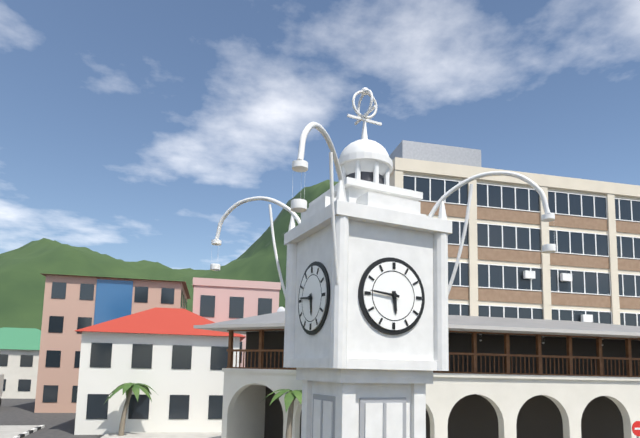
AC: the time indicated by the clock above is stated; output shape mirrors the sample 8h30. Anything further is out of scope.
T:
5h46
